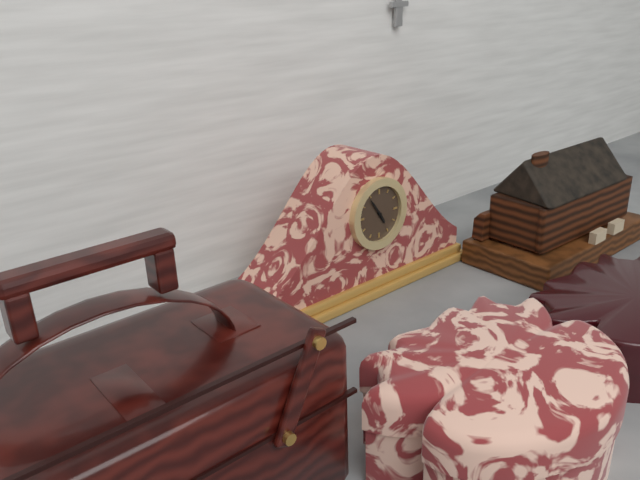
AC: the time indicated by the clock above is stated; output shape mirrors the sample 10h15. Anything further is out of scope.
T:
4h54
